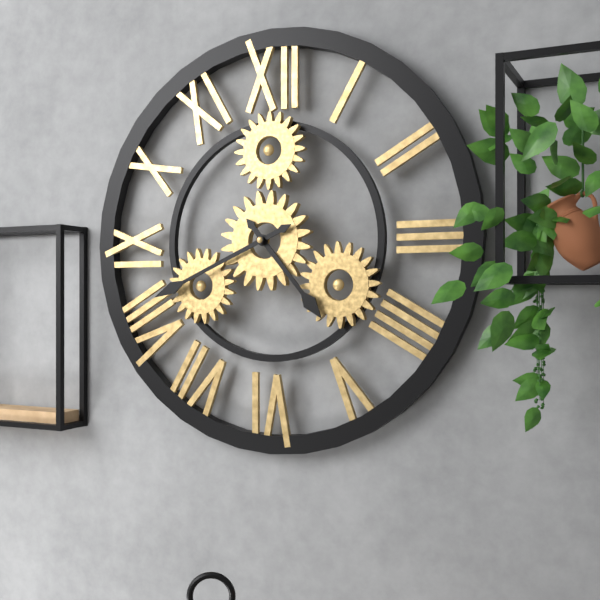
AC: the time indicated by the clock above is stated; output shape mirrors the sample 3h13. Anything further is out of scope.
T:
4h41
